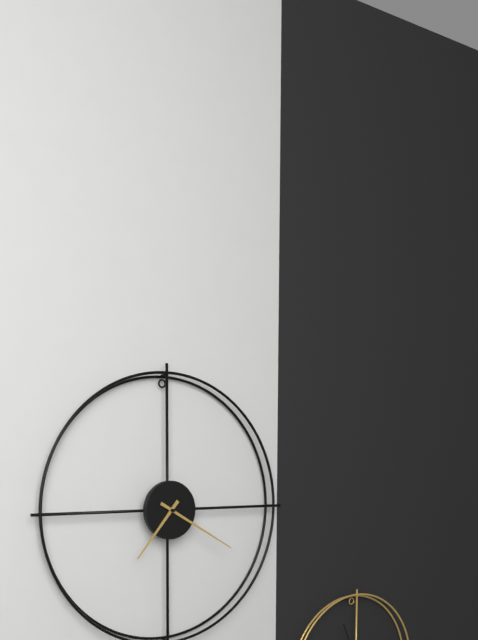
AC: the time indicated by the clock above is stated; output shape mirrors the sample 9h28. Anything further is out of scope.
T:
7h20
